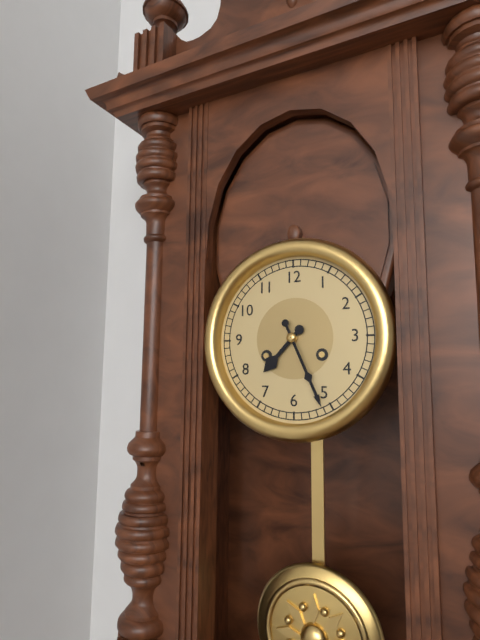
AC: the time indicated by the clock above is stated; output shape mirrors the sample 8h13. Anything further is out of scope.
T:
7h26
